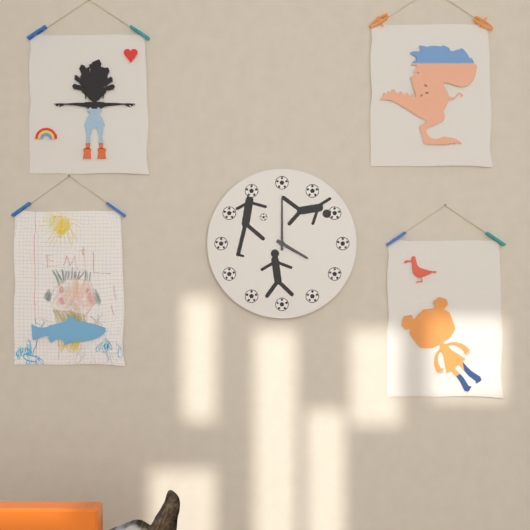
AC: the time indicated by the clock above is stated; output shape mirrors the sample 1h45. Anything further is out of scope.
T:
4h00
